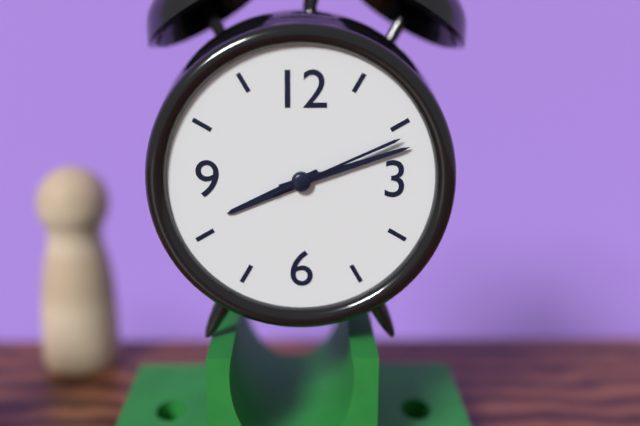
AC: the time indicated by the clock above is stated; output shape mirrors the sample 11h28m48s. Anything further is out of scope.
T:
8h12m11s
